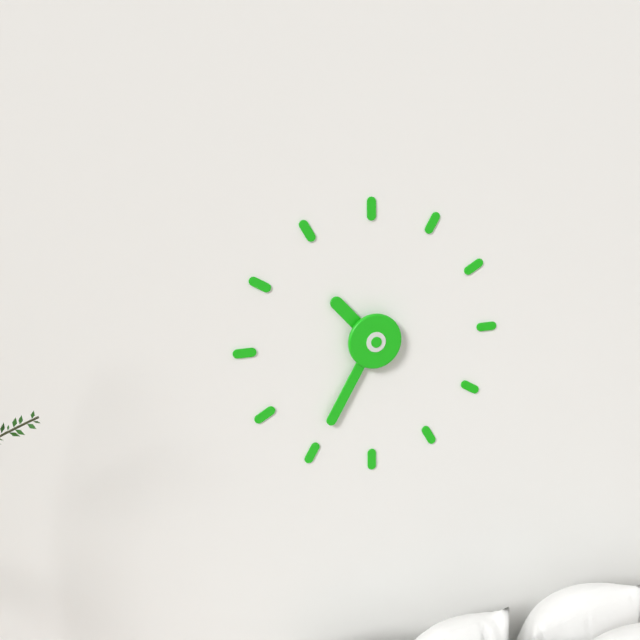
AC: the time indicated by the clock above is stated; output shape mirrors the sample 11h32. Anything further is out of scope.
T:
10h35
